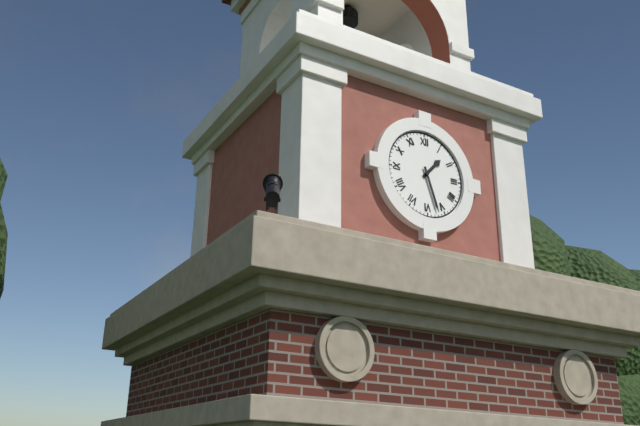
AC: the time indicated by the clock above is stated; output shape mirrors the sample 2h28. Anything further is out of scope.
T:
1h27
